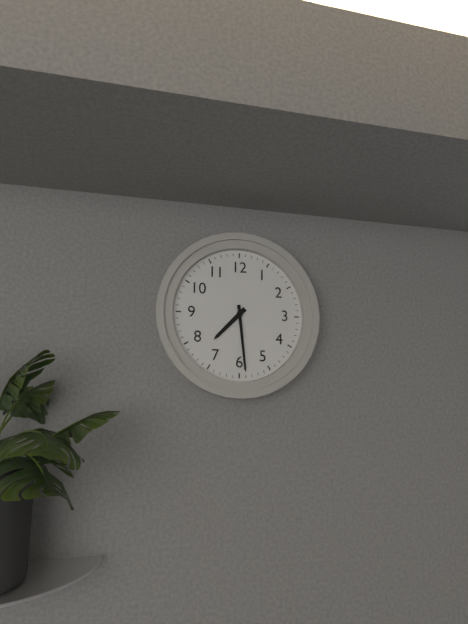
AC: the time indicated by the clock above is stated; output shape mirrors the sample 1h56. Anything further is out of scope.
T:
7h29
